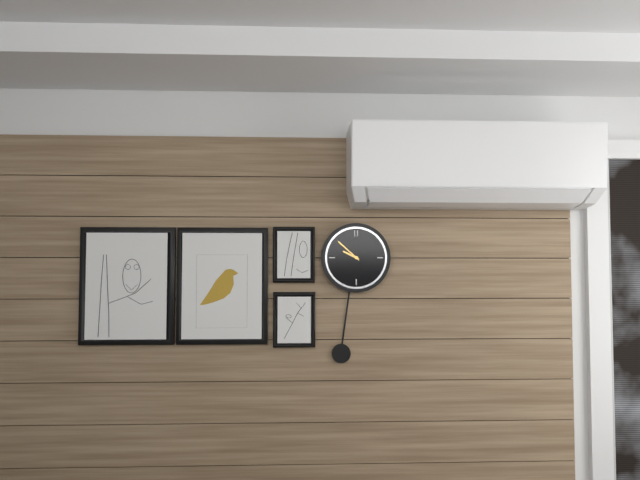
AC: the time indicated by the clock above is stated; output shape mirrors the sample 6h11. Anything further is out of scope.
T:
9h52
